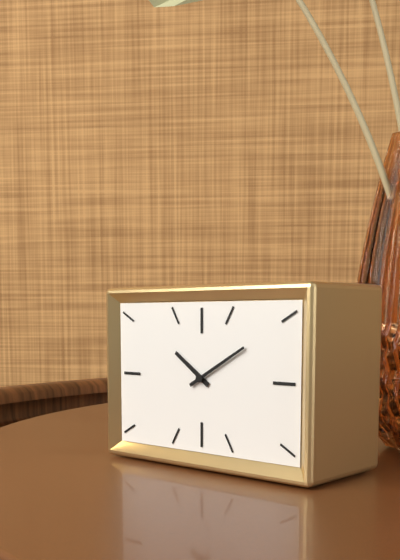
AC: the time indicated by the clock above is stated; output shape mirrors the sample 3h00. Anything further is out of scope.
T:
10h10
